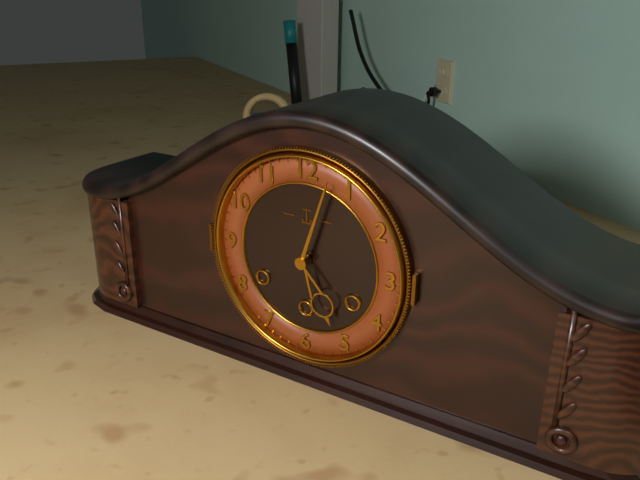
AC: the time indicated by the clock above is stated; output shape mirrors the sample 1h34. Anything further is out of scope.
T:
5h03
